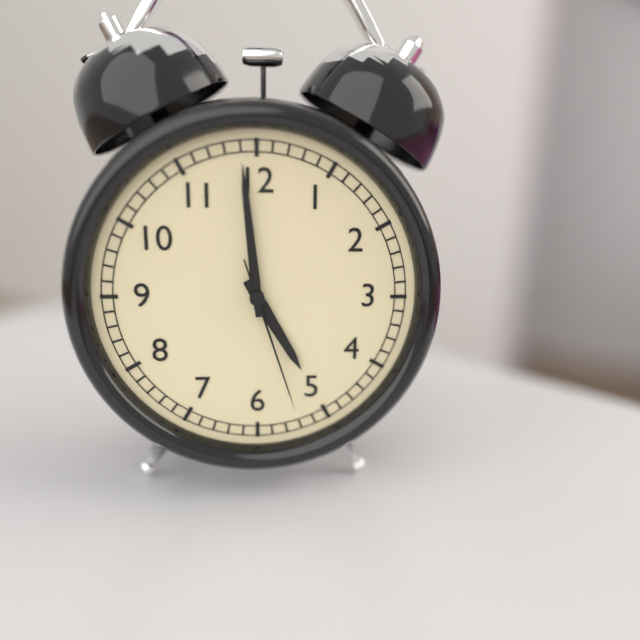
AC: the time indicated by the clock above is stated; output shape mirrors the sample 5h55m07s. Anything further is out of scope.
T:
4h59m27s
